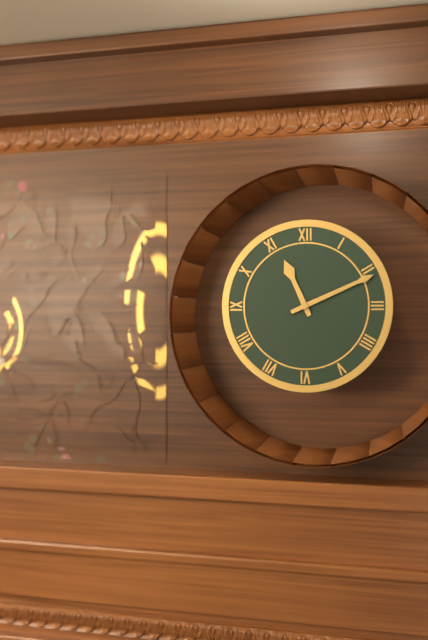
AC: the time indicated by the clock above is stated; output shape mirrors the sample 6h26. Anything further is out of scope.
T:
11h11
